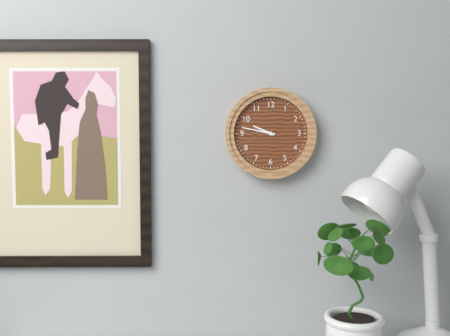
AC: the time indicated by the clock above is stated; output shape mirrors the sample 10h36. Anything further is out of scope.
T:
9h47
